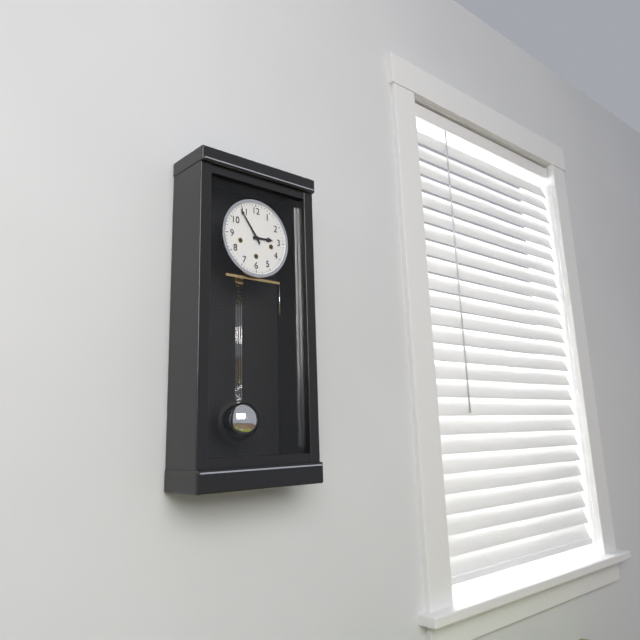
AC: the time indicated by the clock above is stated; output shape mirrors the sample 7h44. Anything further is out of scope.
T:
2h54
